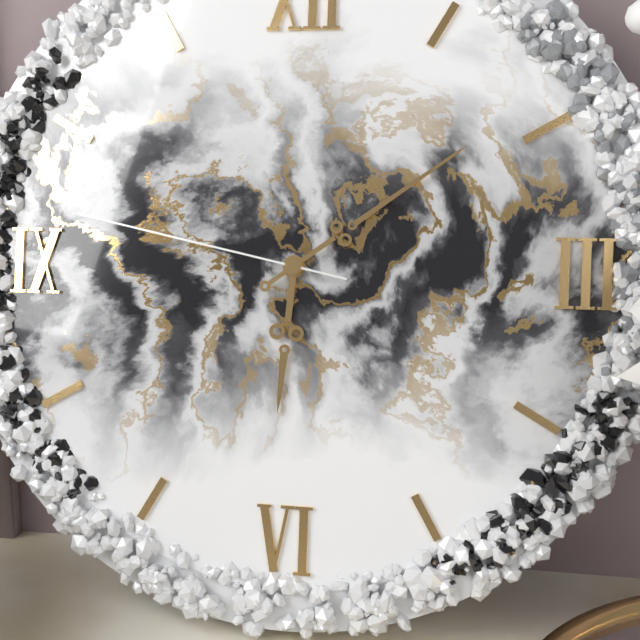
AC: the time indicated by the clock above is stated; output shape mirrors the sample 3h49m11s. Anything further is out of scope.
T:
6h09m47s
